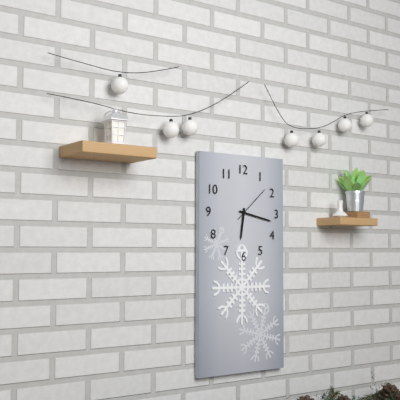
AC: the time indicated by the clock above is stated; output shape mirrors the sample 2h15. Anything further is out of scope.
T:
6h17
